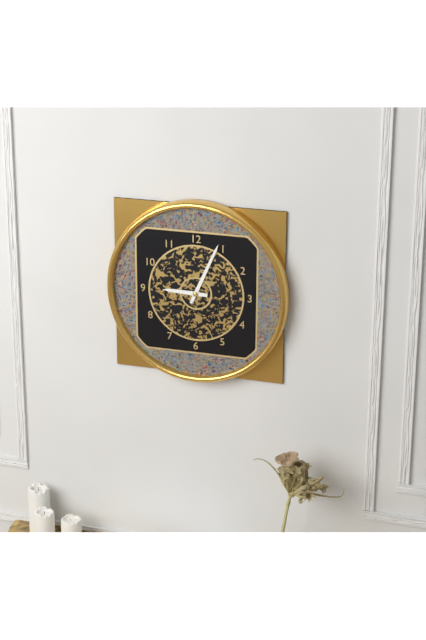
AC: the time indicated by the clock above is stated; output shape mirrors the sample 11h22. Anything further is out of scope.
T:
9h04
